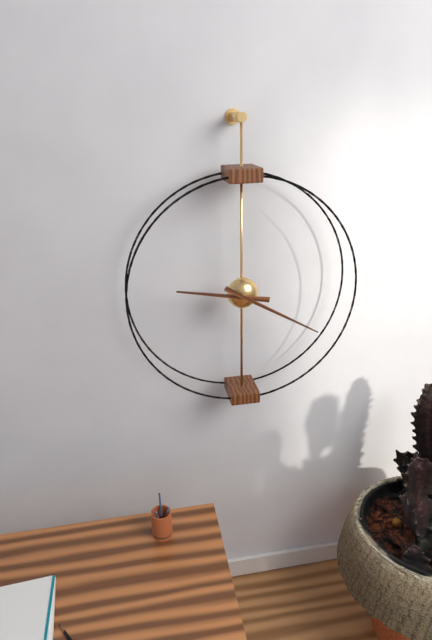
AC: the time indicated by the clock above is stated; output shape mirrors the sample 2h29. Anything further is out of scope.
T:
9h20
